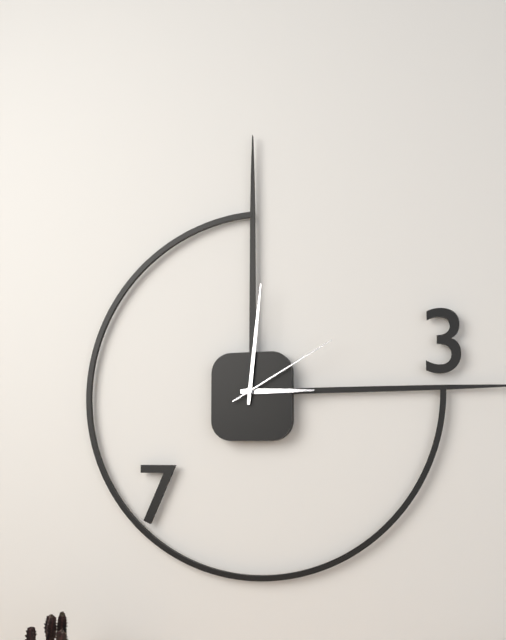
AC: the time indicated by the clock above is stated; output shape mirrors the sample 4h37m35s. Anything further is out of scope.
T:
3h01m10s
